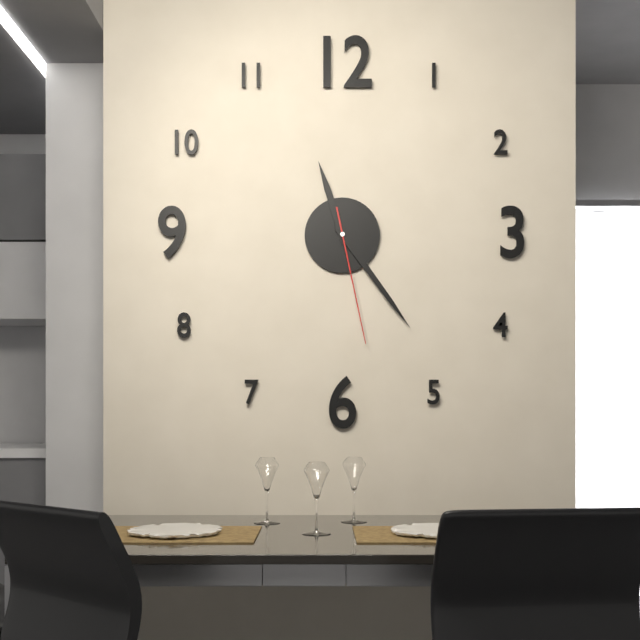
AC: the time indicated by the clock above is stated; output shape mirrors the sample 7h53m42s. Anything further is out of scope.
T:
11h24m28s
